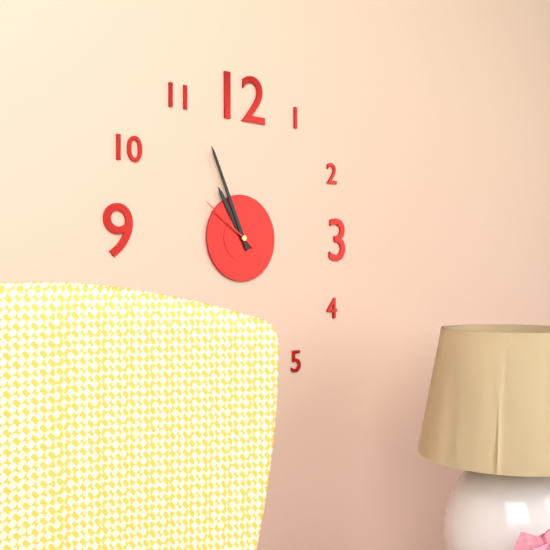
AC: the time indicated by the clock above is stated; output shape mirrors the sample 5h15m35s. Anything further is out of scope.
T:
10h56m51s
